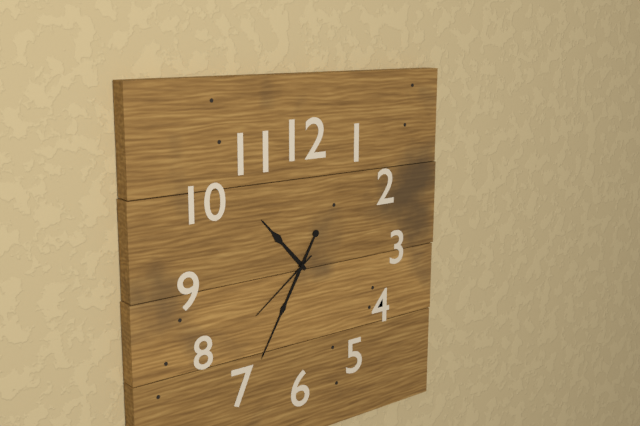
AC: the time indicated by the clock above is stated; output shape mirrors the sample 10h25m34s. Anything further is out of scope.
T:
10h35m39s
